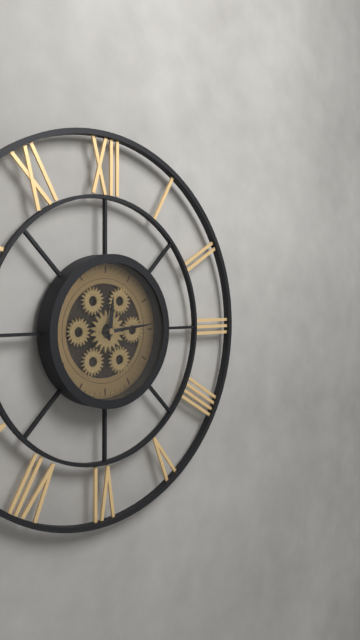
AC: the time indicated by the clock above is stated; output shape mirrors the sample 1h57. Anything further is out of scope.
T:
12h14
